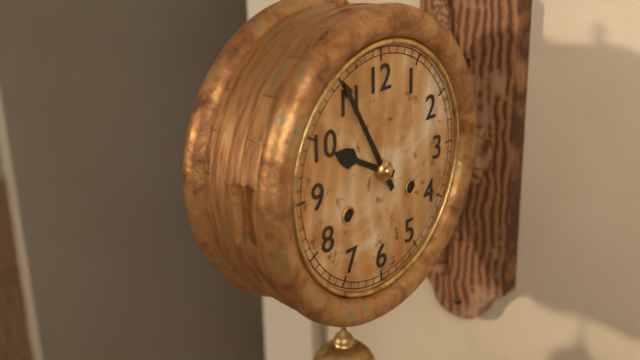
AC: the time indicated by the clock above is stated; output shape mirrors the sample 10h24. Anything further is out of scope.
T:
9h55
